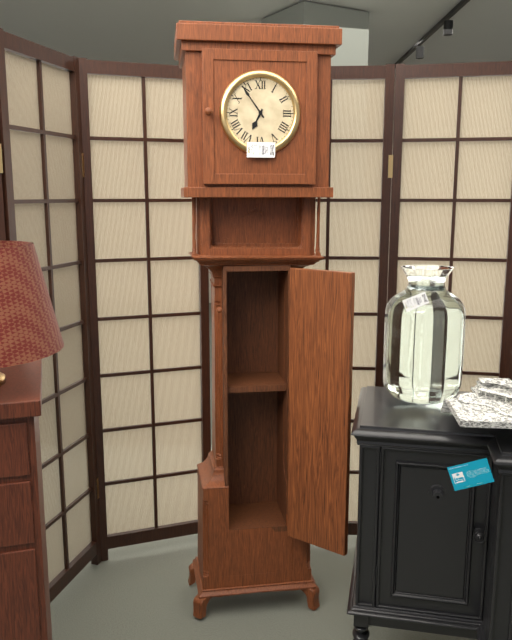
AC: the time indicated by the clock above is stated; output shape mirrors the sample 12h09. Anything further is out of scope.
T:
6h54
